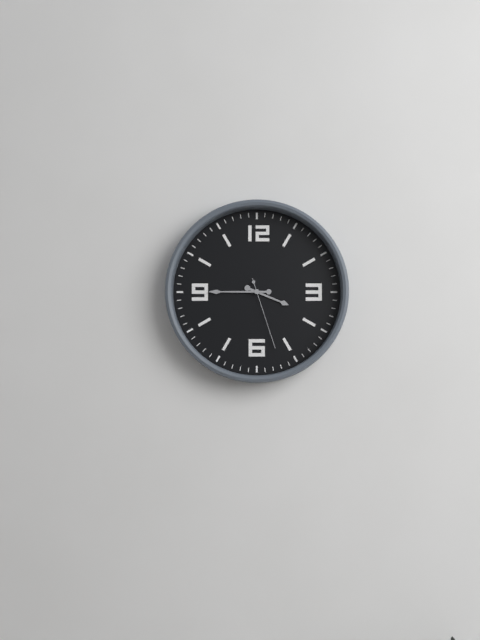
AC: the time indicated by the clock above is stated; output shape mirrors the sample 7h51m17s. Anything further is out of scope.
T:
3h45m27s
